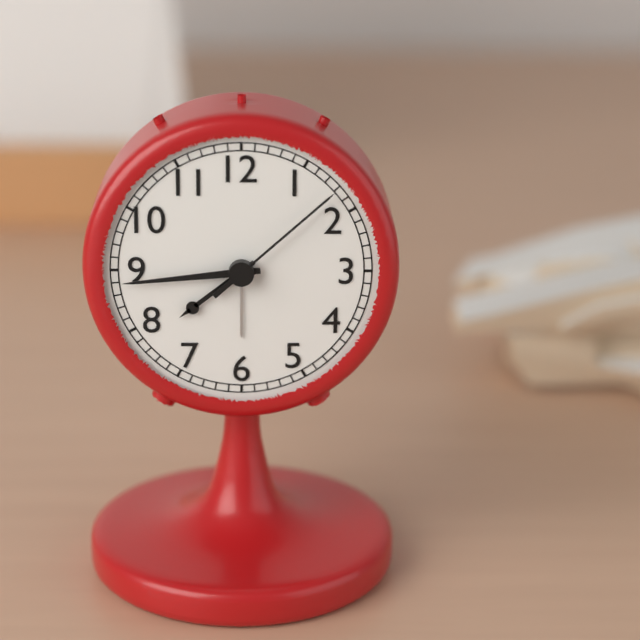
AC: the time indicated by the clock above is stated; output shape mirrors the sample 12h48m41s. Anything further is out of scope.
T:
7h44m08s
